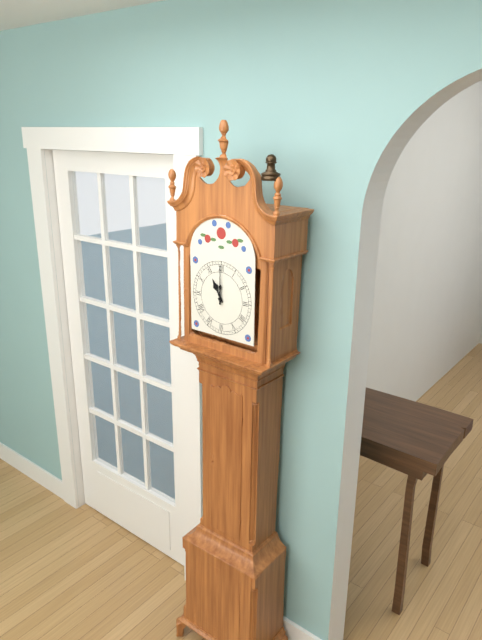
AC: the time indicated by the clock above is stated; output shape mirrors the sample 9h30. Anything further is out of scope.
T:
11h00
